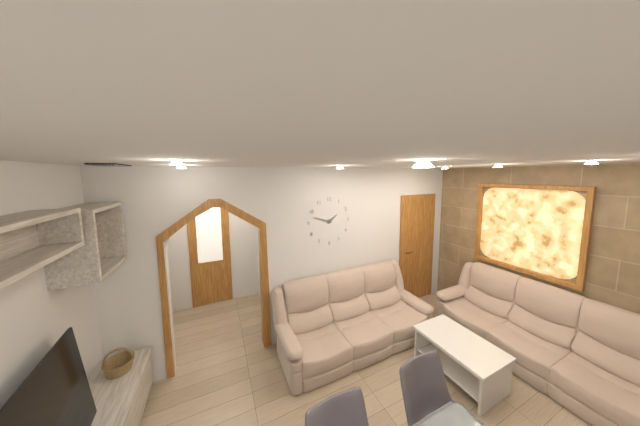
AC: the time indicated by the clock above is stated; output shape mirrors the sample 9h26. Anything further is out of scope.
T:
1h48
